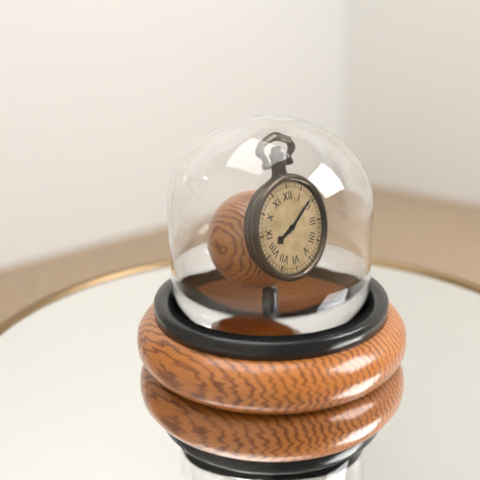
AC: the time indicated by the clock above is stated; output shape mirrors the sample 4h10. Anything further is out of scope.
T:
8h09
